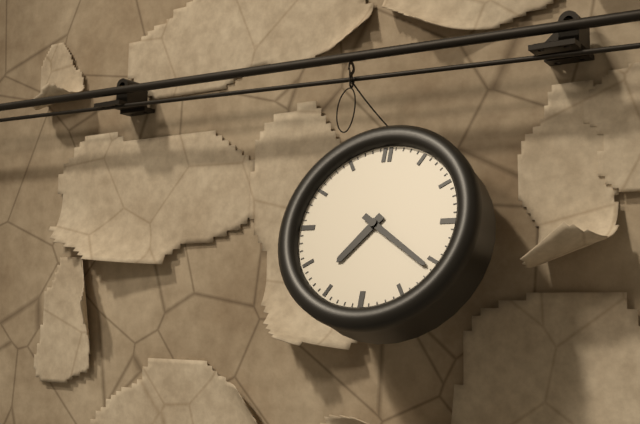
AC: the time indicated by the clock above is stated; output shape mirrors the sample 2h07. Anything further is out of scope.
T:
7h21
